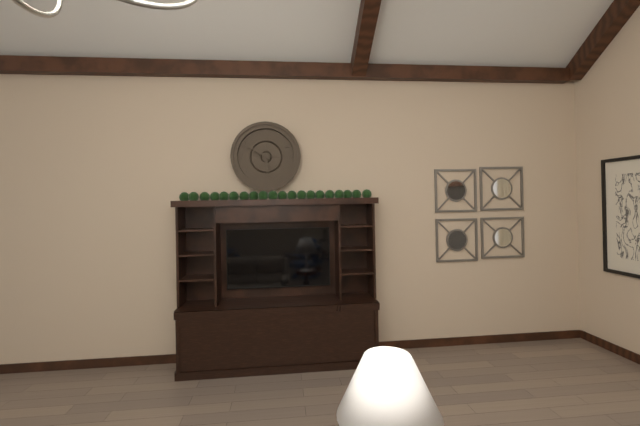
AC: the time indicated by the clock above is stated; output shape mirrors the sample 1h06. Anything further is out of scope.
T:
5h50
